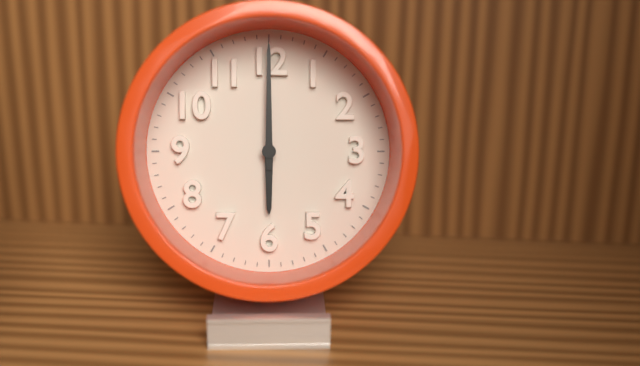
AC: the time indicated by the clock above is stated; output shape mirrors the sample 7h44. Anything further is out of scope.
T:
6h00
